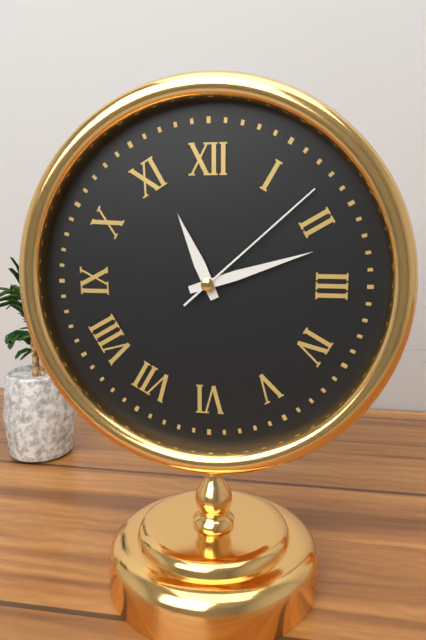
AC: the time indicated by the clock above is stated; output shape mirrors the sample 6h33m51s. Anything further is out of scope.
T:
11h12m08s
